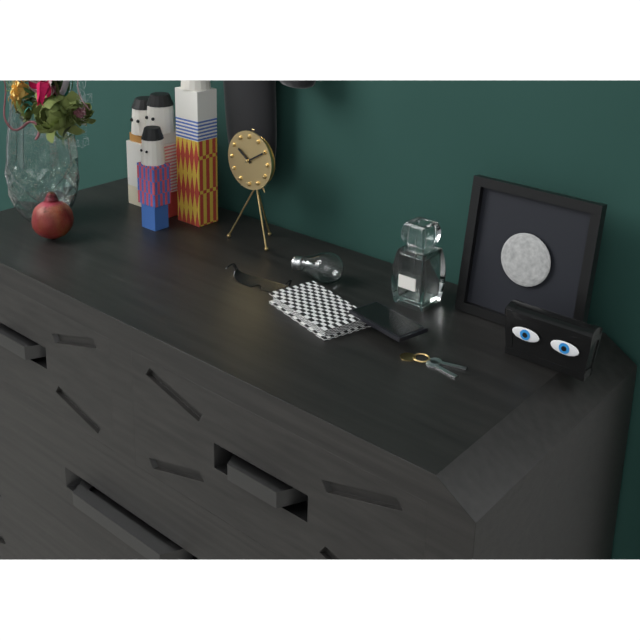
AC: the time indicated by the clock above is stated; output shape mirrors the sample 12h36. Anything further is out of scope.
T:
10h10
